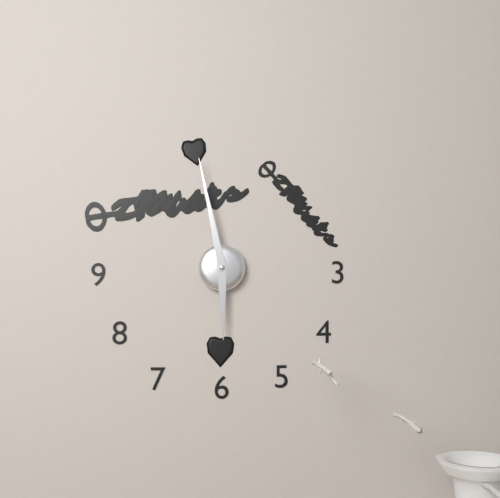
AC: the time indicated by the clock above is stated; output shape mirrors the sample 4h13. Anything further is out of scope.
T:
5h58
